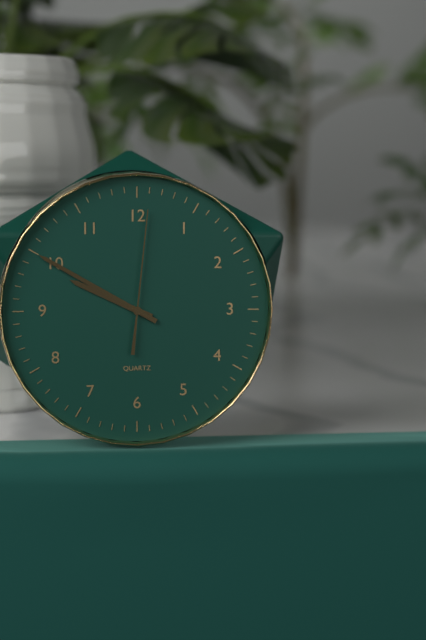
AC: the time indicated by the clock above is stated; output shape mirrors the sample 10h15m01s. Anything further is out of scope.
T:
9h50m01s
